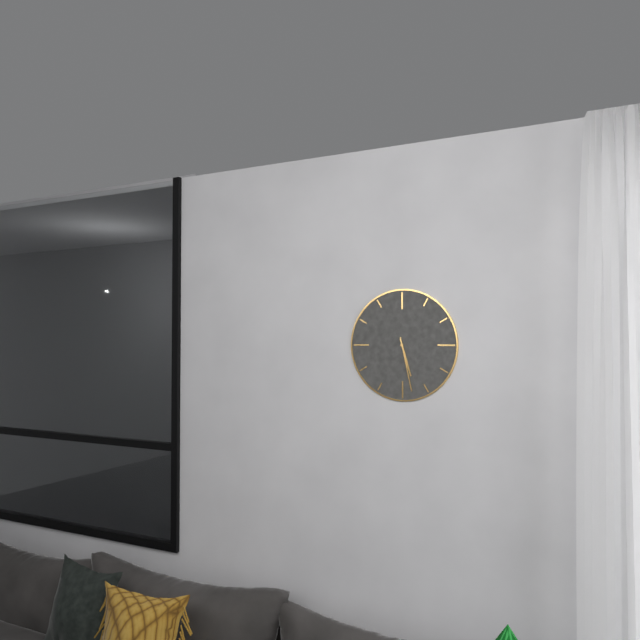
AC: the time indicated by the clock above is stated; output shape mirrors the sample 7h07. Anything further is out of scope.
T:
5h28
